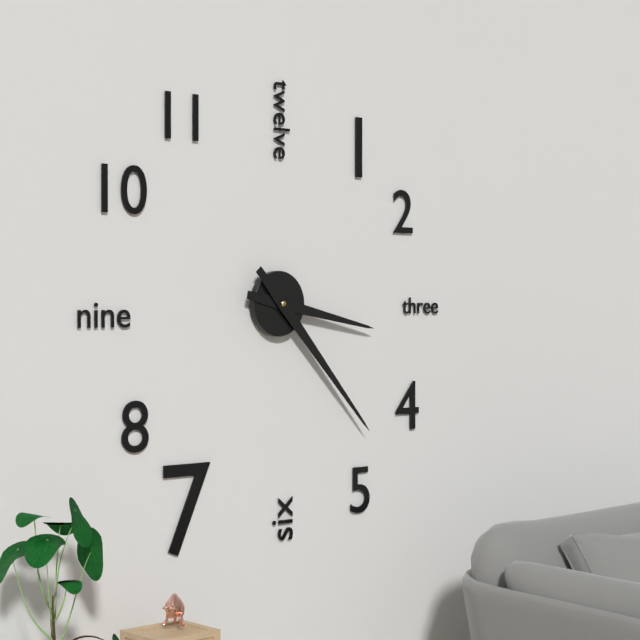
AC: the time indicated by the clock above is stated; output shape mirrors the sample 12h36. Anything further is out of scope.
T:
3h23
